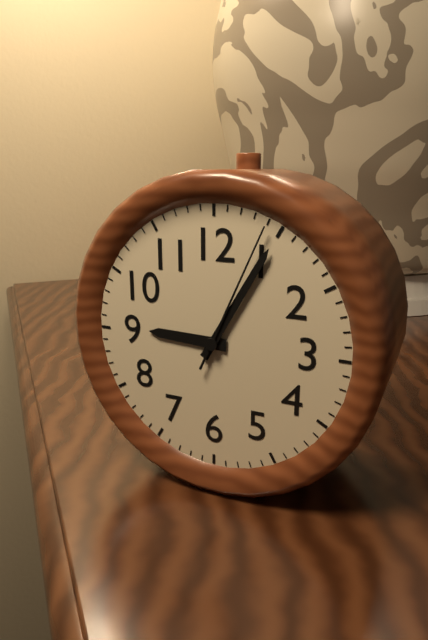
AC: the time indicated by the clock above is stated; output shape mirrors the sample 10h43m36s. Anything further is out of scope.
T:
9h05m04s
